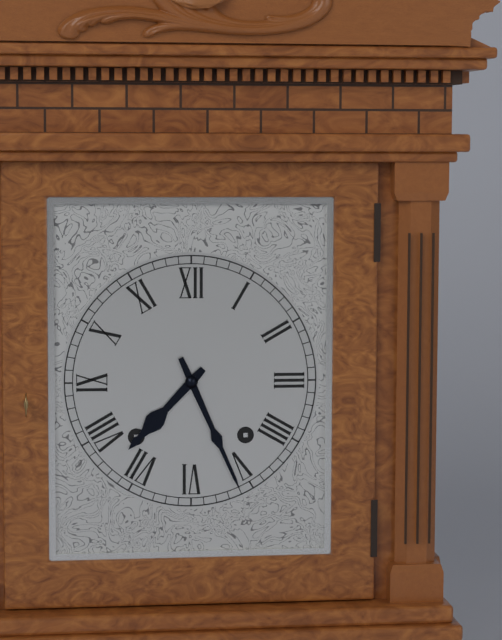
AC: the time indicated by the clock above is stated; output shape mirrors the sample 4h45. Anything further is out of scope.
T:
7h26
